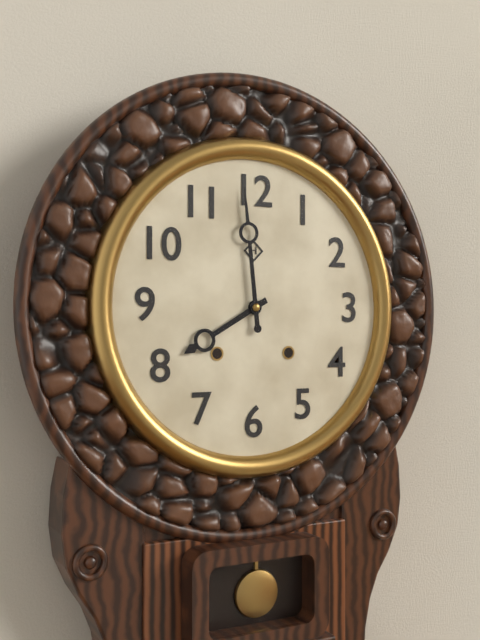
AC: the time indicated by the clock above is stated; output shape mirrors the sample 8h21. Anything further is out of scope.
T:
7h59
